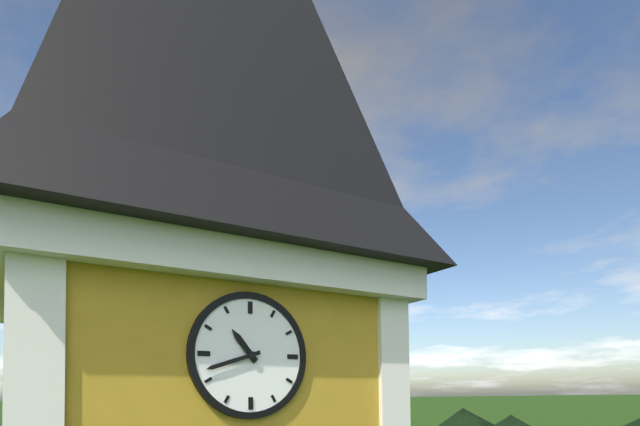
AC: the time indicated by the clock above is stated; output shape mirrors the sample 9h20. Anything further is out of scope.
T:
10h42
